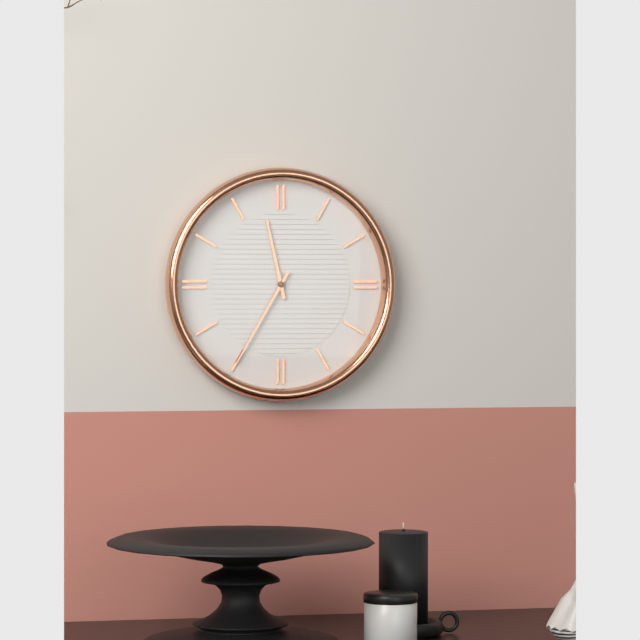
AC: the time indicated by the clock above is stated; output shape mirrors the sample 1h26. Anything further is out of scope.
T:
11h35
